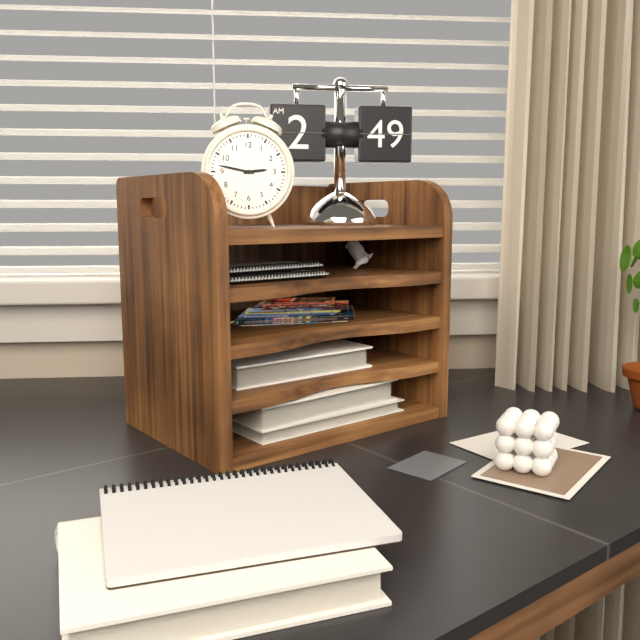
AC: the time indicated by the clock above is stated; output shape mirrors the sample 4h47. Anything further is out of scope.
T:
2h47
